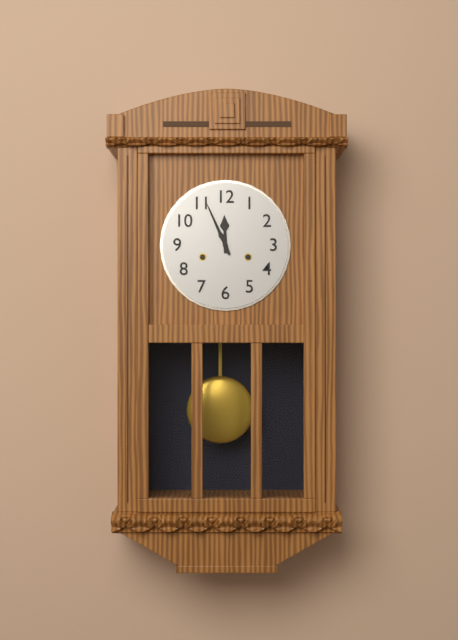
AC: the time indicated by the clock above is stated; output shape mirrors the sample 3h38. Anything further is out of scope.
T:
11h56
